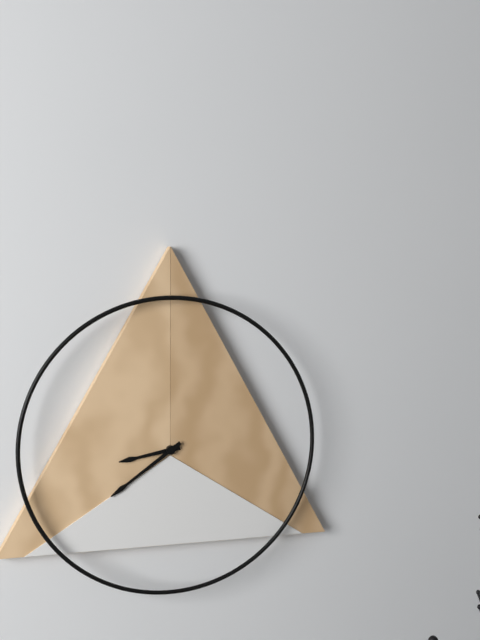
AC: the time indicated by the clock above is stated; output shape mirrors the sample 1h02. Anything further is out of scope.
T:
8h39
